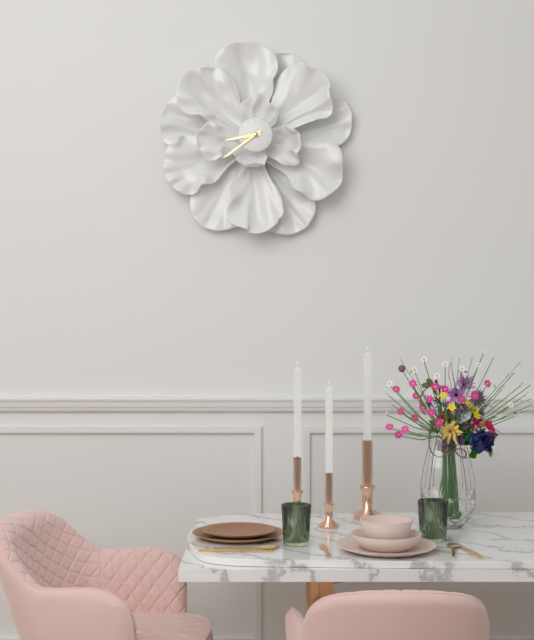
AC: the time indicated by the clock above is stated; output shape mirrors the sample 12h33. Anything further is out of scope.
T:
8h39
